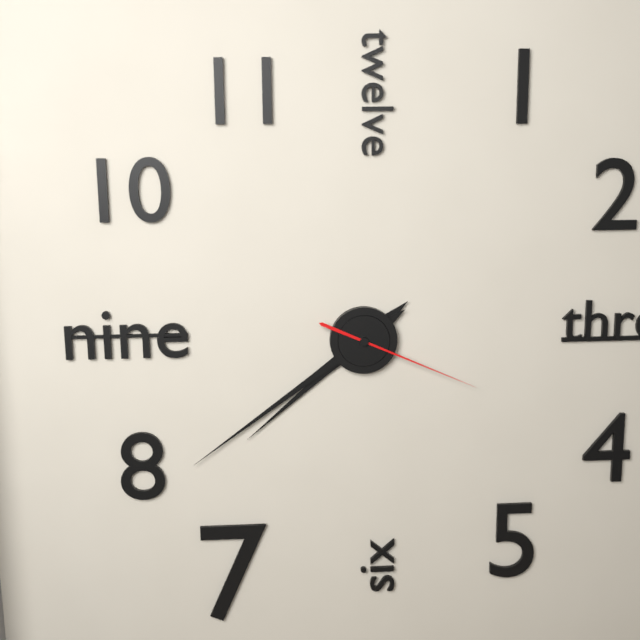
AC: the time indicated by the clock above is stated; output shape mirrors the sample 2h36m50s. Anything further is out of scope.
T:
7h39m19s
